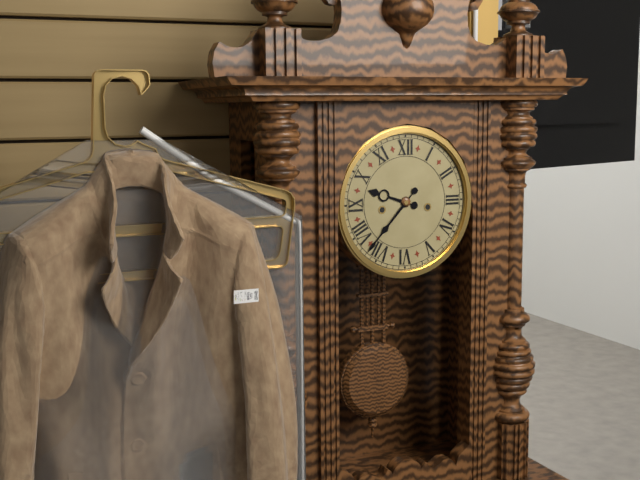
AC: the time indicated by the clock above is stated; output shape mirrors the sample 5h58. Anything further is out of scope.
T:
9h37
